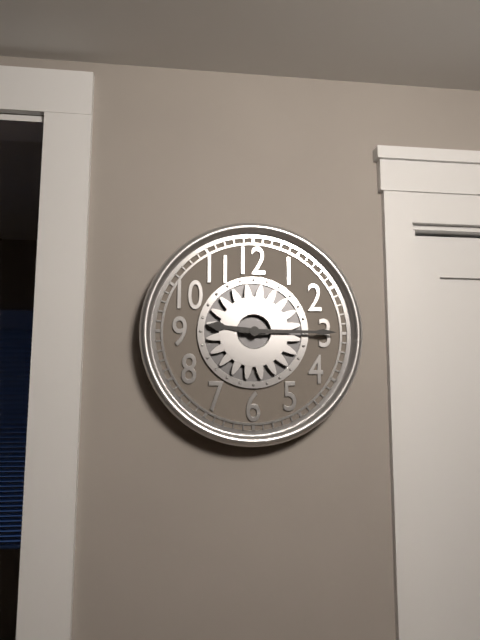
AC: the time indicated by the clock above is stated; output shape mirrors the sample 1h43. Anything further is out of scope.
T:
9h15
